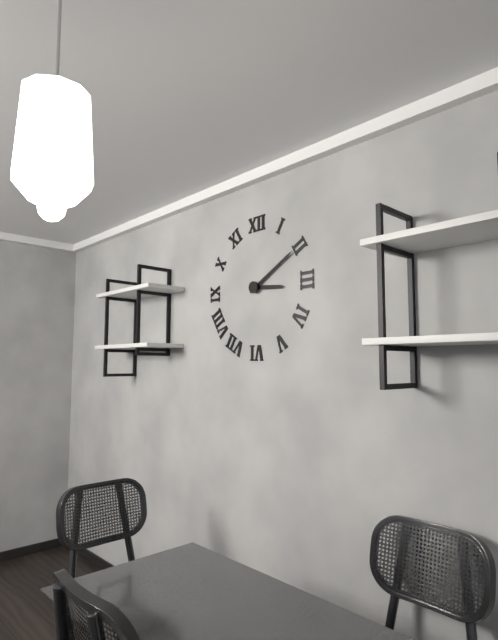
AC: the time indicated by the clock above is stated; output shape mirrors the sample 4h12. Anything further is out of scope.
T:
3h10
